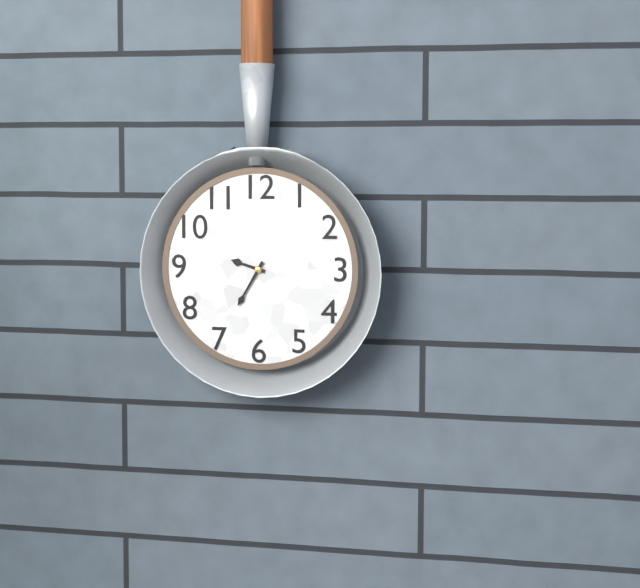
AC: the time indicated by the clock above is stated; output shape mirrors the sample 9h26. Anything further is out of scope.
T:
9h35
